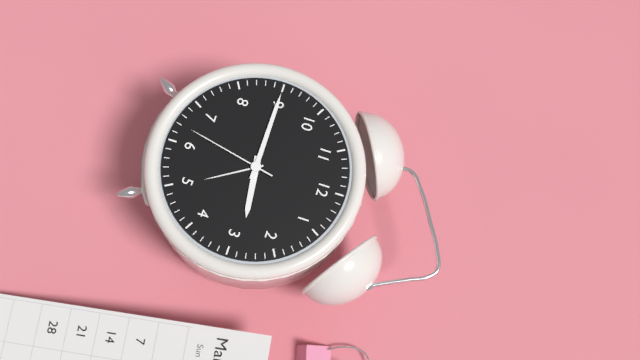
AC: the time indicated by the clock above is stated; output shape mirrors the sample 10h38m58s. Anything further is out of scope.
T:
2h45m32s
